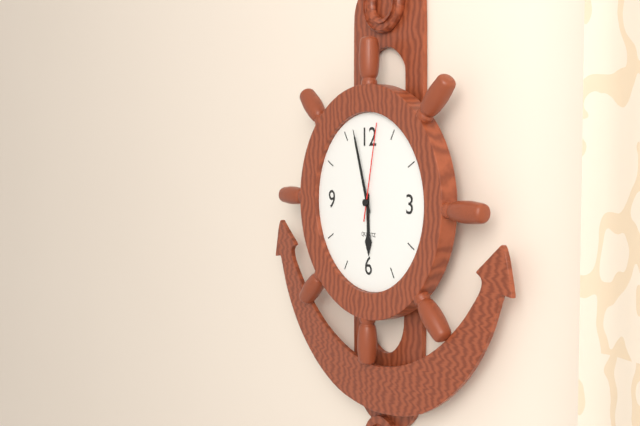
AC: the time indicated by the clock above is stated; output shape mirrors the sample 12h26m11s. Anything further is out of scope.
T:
5h57m02s
